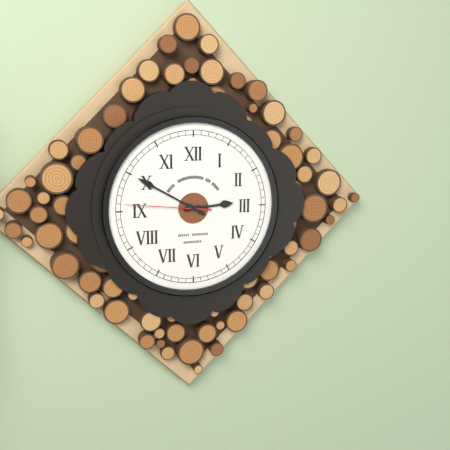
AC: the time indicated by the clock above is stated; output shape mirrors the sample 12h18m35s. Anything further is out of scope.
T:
2h50m46s
